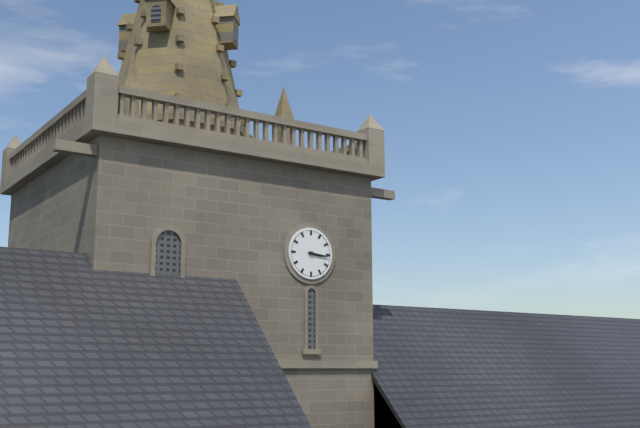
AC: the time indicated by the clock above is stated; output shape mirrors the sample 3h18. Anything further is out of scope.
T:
3h16
